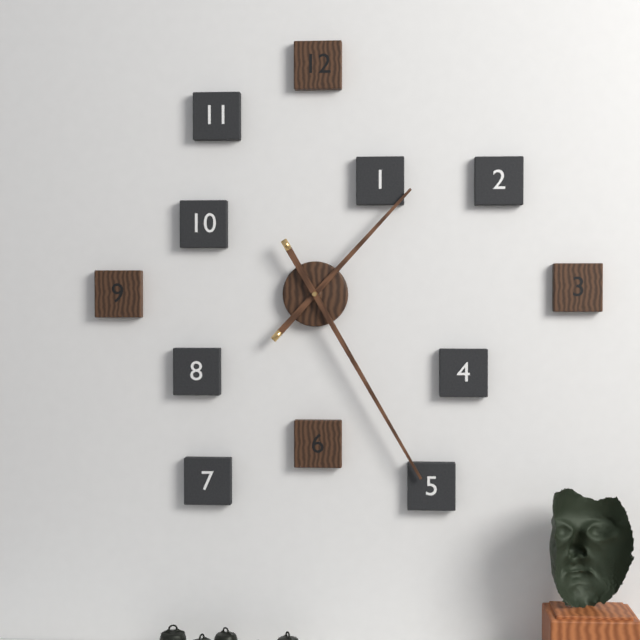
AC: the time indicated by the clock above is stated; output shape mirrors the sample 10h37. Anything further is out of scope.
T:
1h25
